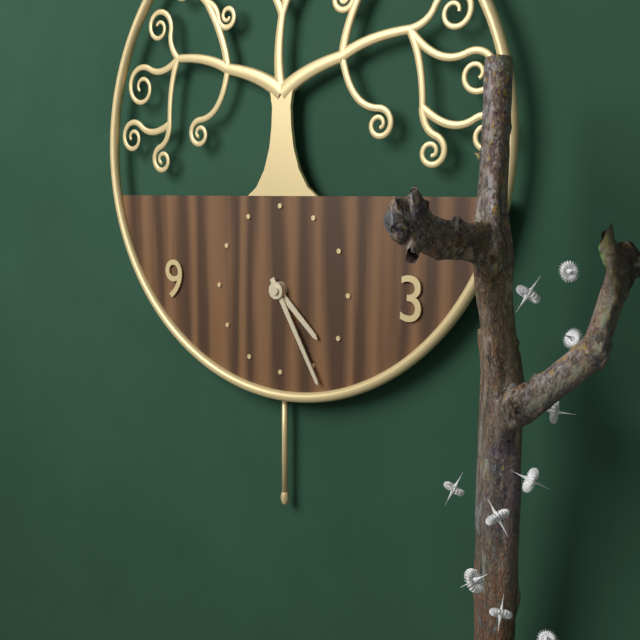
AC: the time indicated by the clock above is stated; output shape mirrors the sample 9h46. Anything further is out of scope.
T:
4h25
